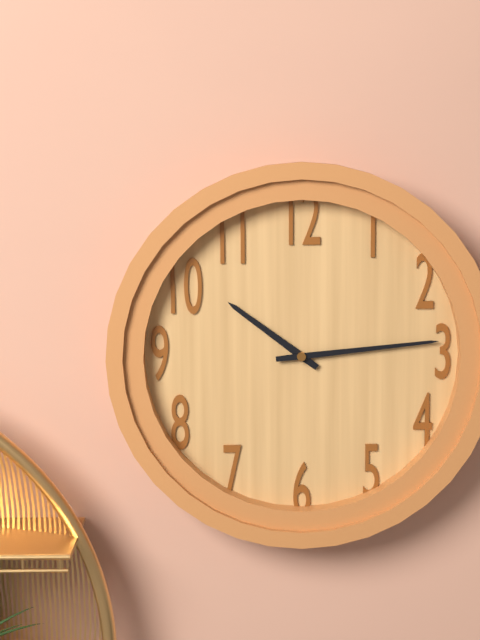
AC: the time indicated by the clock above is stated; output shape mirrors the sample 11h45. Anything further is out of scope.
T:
10h14
